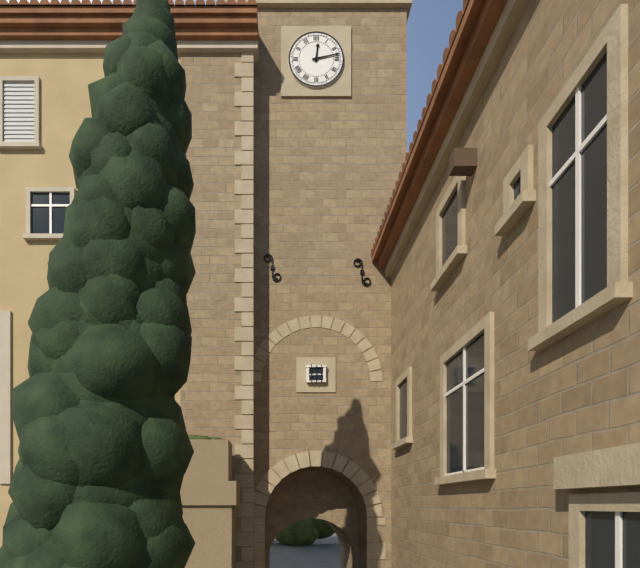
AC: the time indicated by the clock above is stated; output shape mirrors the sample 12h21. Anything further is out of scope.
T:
12h13
